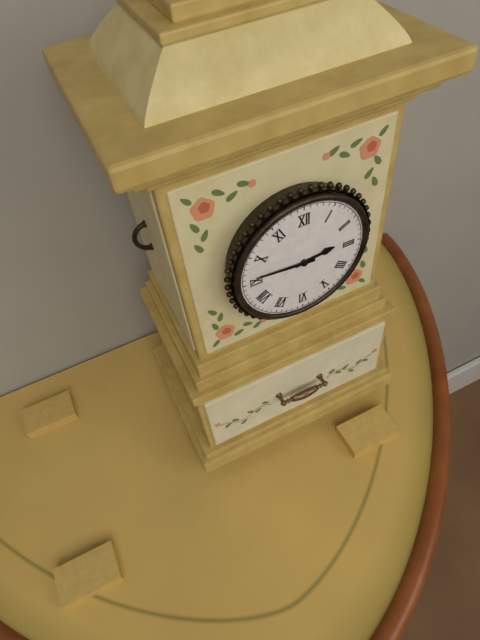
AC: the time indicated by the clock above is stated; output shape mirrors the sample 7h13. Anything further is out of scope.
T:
2h46
